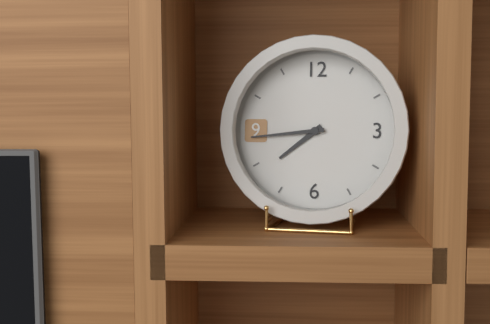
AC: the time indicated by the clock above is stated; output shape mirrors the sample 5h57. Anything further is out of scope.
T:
7h44
